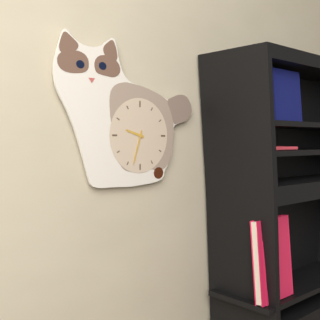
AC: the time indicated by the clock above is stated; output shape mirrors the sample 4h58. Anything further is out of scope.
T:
9h33
